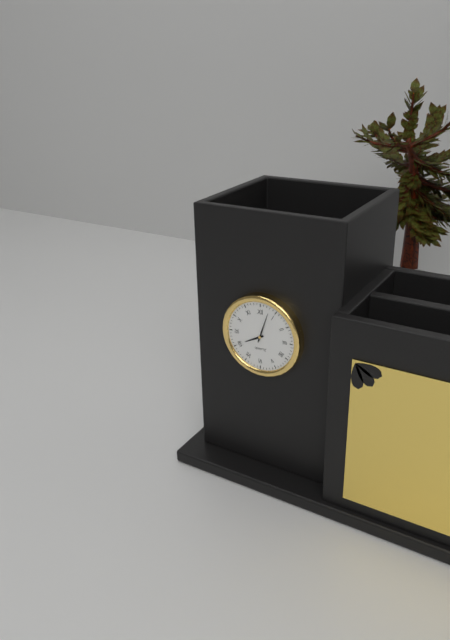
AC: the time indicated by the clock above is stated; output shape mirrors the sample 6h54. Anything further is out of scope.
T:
8h03
